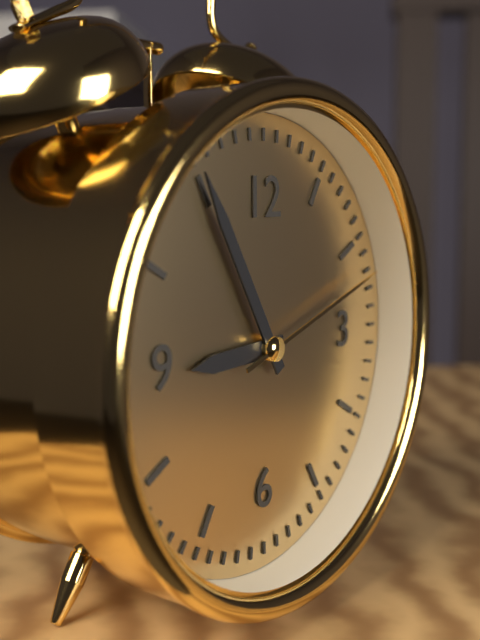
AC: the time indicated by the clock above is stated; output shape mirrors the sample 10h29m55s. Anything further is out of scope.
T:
8h55m12s
